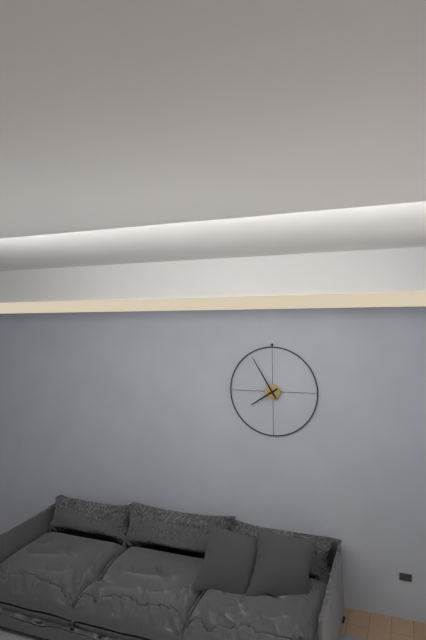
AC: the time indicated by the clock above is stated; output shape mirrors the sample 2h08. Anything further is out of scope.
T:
7h55
